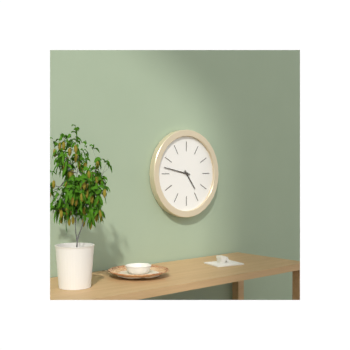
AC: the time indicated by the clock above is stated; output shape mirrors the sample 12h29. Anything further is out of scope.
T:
4h47
